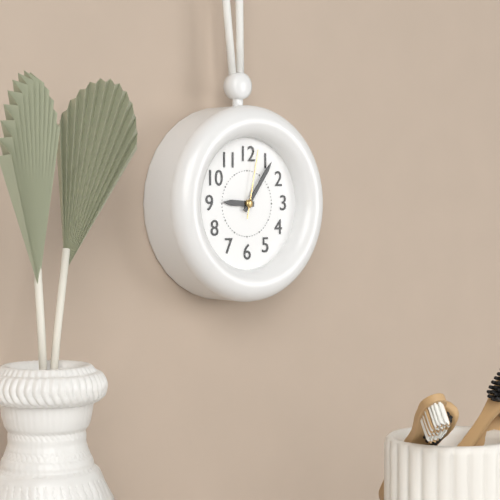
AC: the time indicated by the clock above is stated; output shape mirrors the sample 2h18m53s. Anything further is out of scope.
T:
9h06m02s
